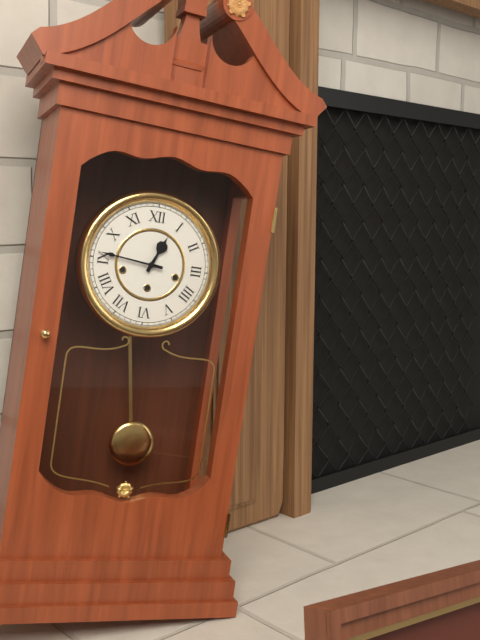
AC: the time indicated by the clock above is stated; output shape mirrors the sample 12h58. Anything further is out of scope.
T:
12h46
